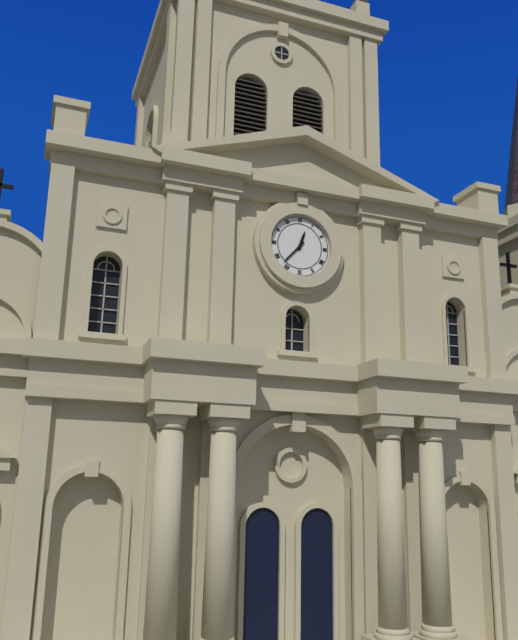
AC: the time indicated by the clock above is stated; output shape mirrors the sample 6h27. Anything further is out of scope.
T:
12h37
